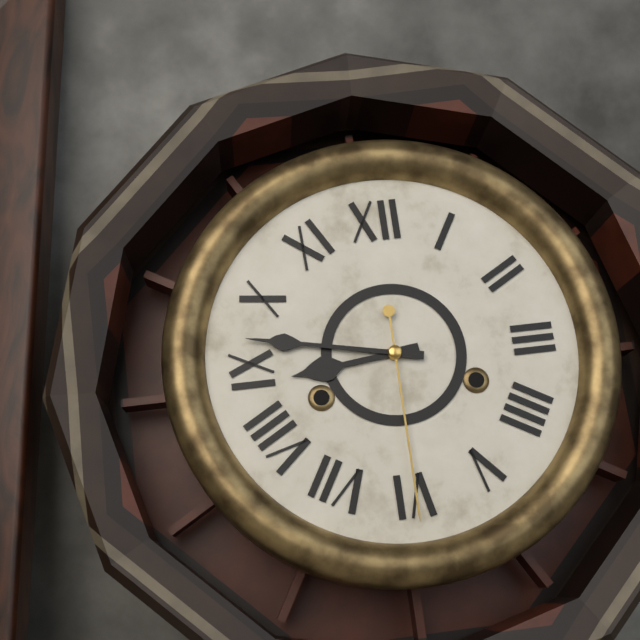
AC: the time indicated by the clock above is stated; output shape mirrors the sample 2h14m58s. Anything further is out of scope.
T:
8h47m30s
